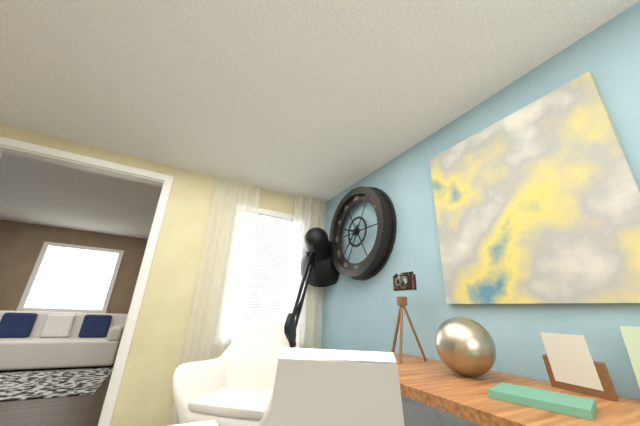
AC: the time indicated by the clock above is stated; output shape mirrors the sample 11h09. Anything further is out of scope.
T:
9h37
